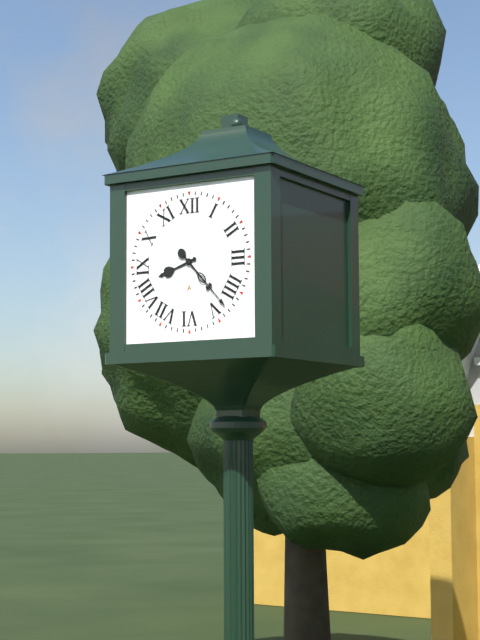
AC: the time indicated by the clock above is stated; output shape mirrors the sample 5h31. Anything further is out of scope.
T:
8h23
